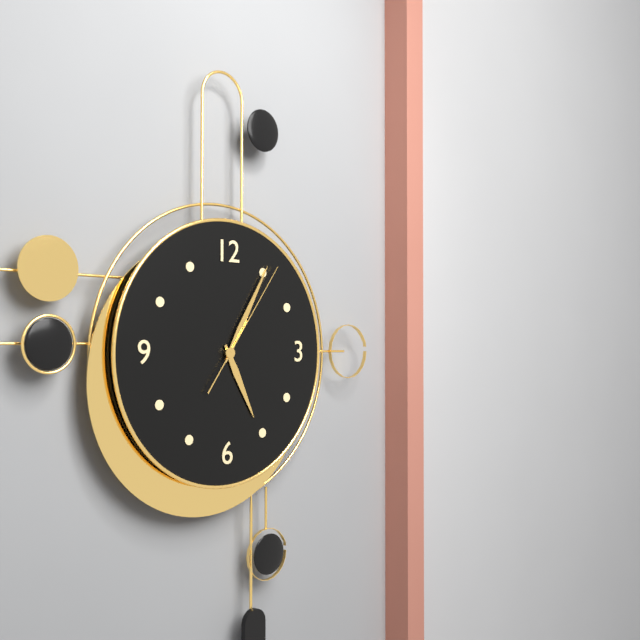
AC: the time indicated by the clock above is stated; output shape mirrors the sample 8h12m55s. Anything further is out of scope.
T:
5h05m06s
